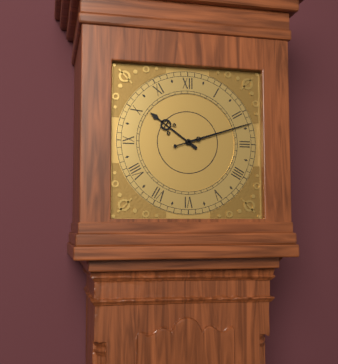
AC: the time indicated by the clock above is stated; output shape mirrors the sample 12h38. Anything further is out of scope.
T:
10h12
